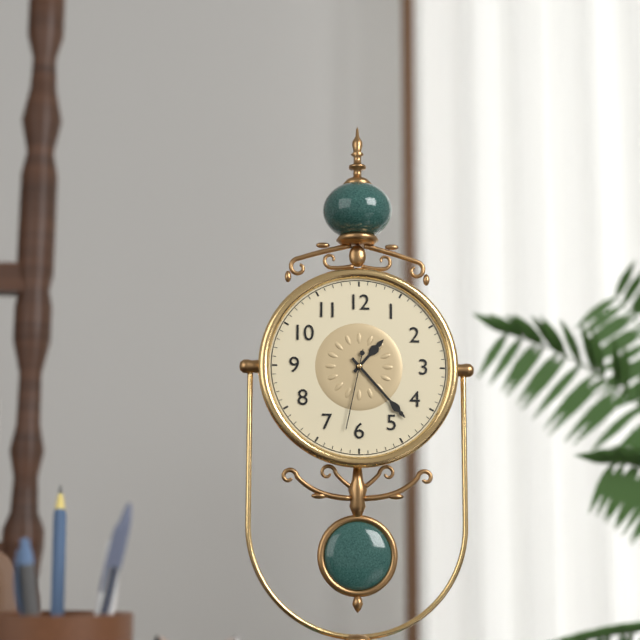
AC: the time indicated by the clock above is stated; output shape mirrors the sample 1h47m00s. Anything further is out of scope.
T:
1h23m32s
